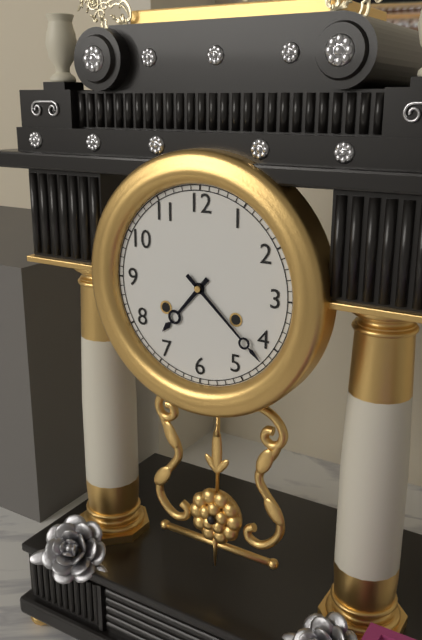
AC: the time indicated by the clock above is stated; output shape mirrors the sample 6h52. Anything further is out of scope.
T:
7h22
